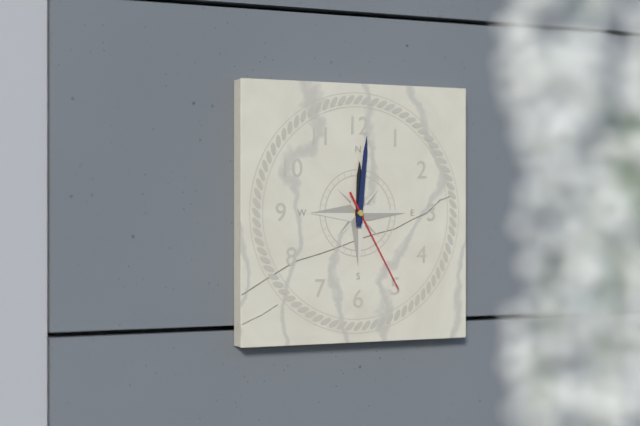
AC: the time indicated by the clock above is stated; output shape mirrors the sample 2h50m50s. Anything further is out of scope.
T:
12h01m25s
